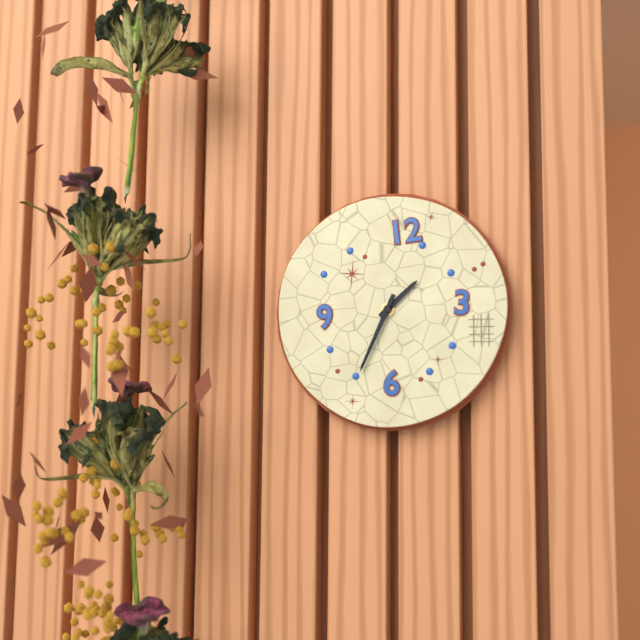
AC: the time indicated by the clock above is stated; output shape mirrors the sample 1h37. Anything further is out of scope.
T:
1h34
